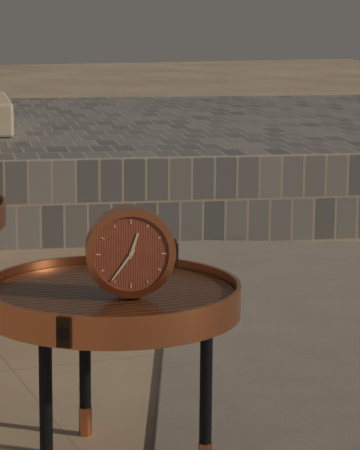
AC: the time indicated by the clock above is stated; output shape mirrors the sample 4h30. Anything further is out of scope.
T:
12h36
